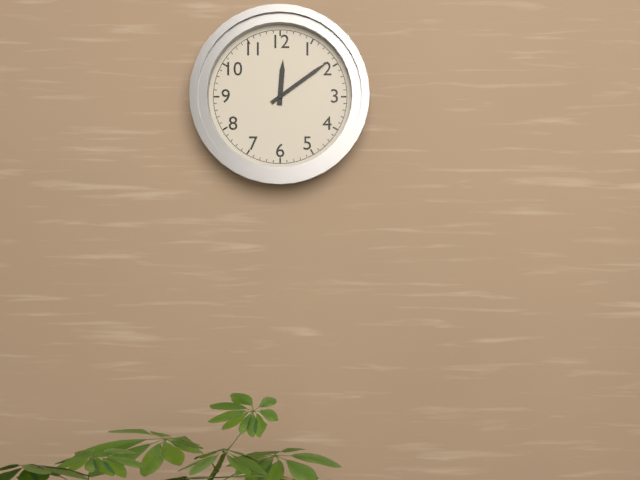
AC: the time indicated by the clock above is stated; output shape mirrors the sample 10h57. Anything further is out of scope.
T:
12h09
